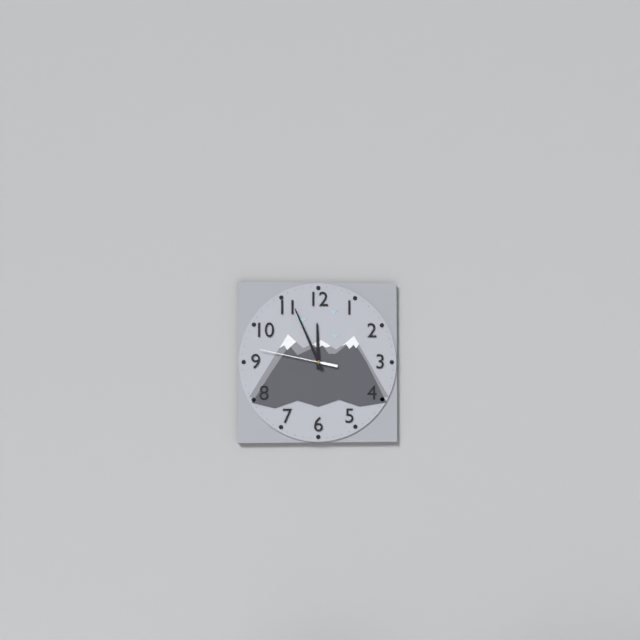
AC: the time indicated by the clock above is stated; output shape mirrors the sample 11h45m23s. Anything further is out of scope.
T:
11h56m47s
